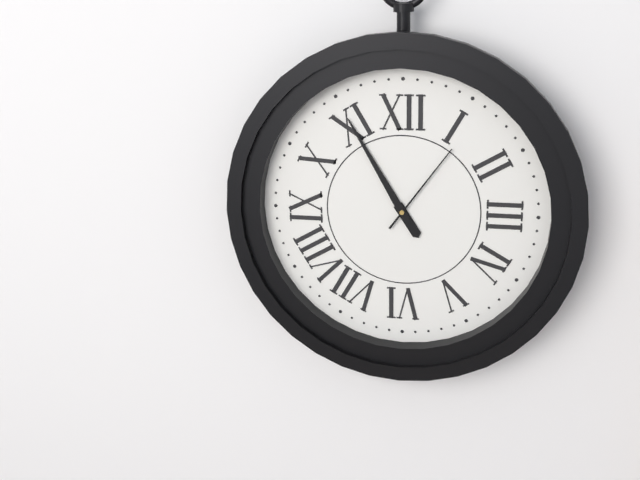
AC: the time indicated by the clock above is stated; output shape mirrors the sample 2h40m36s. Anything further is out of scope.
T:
4h55m06s
